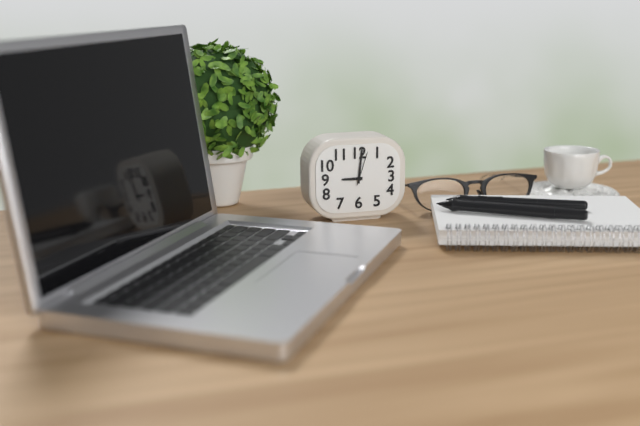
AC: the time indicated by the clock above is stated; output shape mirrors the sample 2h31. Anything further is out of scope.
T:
9h01
